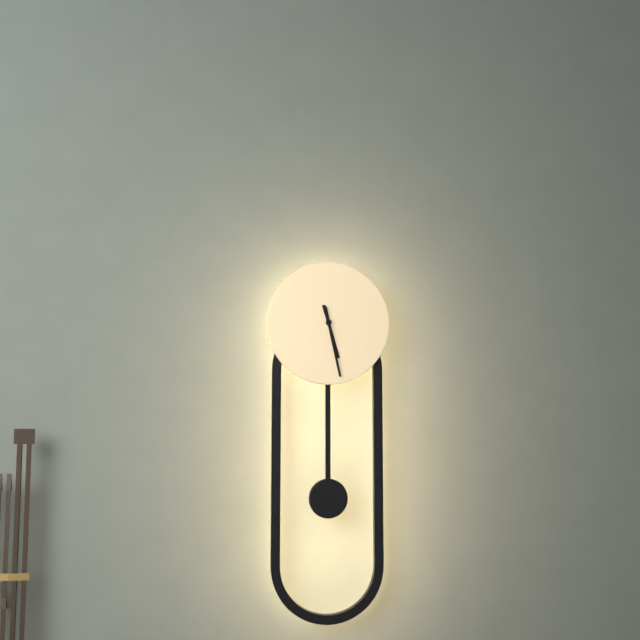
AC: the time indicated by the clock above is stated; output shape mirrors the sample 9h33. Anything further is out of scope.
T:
5h28
